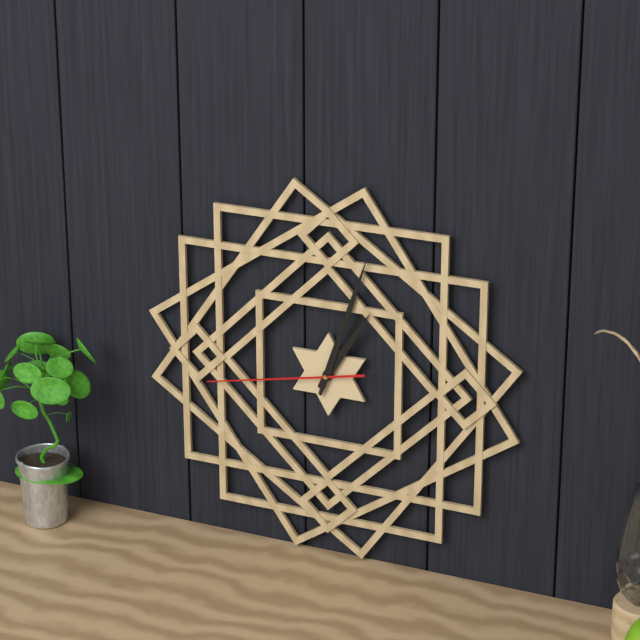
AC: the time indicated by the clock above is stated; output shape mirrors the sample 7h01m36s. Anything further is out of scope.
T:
1h03m43s
